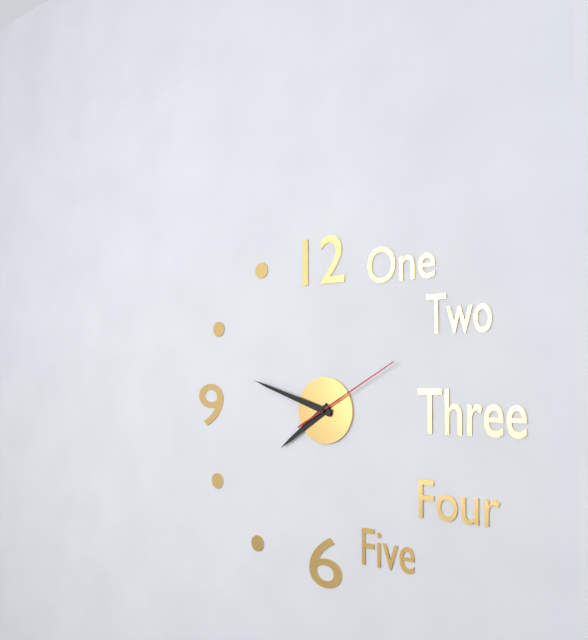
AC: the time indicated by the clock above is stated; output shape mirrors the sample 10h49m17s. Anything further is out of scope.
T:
7h48m10s
